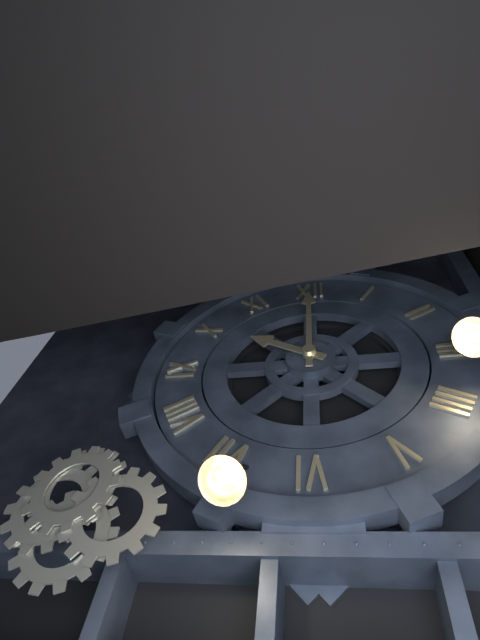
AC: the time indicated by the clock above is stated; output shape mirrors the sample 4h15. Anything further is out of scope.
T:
10h00
